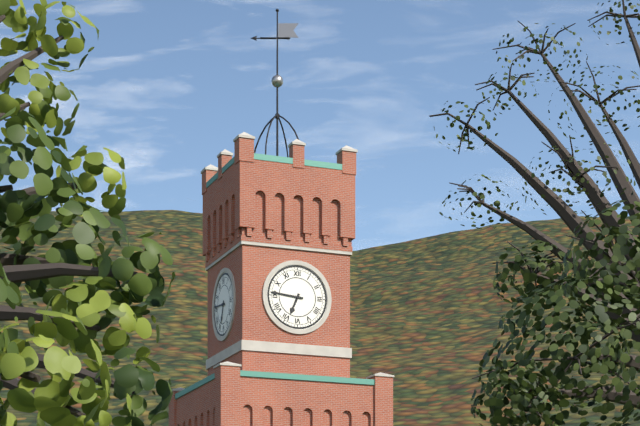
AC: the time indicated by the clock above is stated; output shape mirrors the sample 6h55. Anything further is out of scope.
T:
6h46
